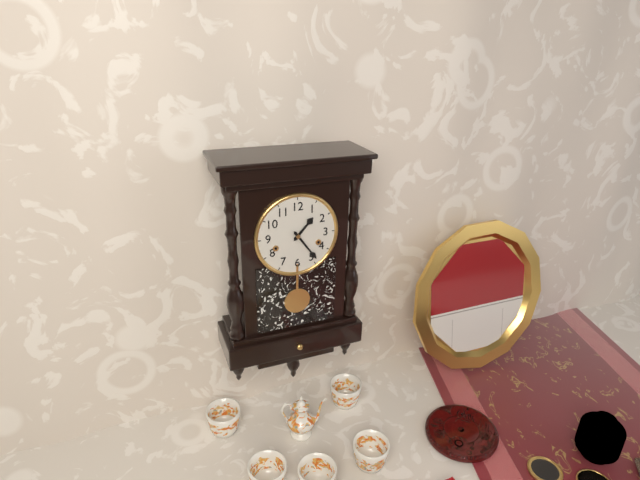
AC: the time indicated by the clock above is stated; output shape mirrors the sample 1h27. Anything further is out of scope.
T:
1h24
